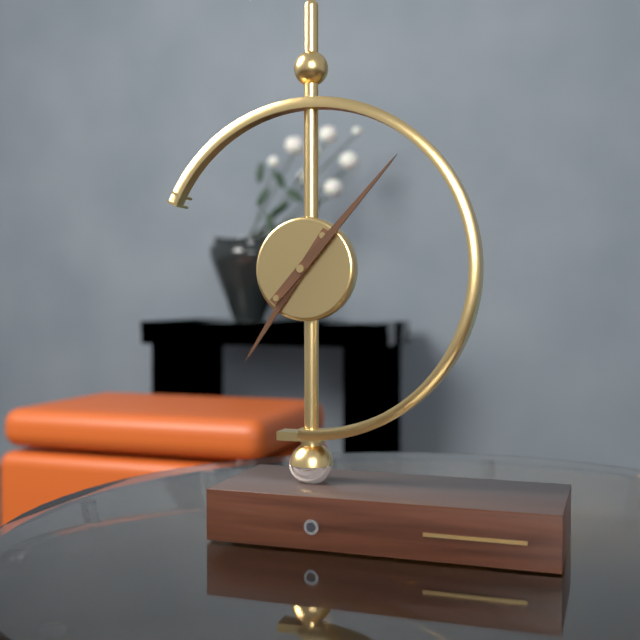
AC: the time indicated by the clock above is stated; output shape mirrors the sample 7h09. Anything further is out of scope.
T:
7h07
